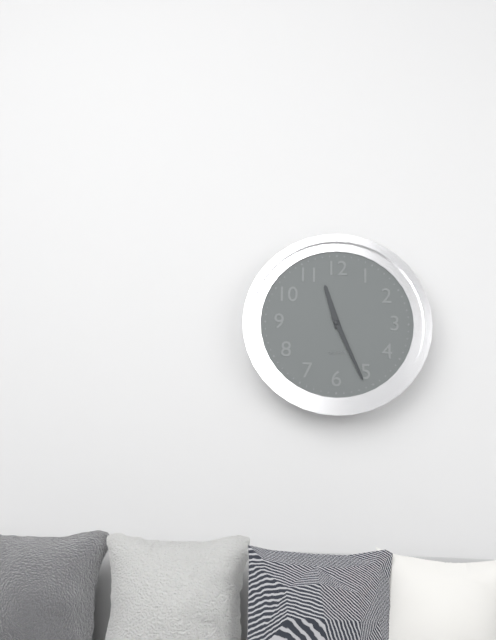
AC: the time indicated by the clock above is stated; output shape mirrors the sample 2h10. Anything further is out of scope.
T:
11h26
